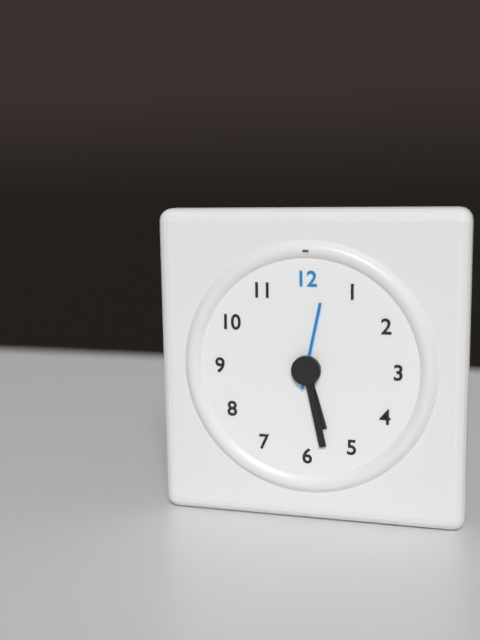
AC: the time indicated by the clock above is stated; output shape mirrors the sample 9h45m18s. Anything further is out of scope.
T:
5h28m02s
